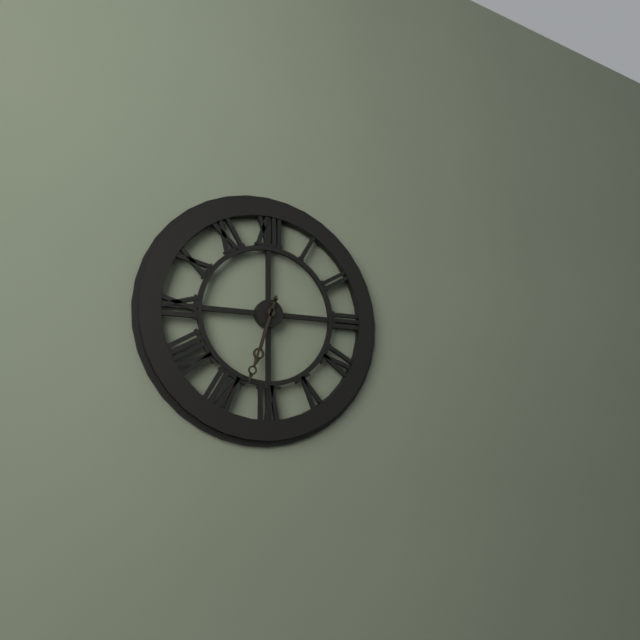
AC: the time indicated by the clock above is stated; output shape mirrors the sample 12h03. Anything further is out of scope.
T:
6h33
